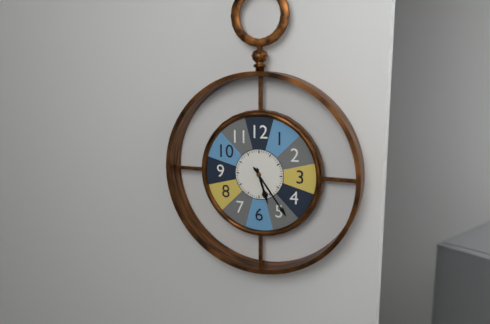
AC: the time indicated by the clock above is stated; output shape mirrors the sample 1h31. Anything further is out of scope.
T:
5h24
